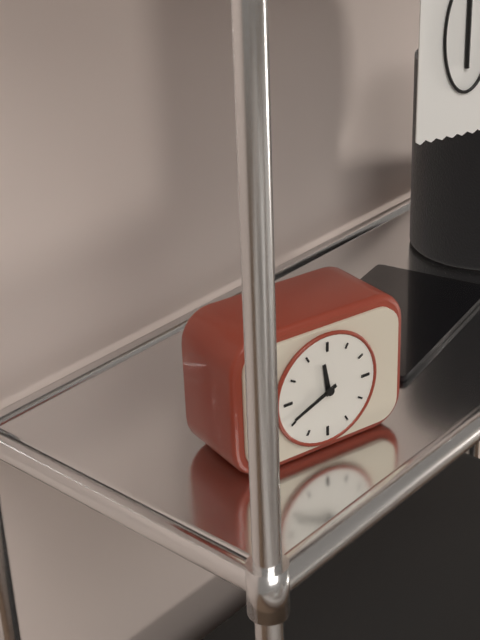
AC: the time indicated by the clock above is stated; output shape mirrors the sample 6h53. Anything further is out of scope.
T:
11h41
